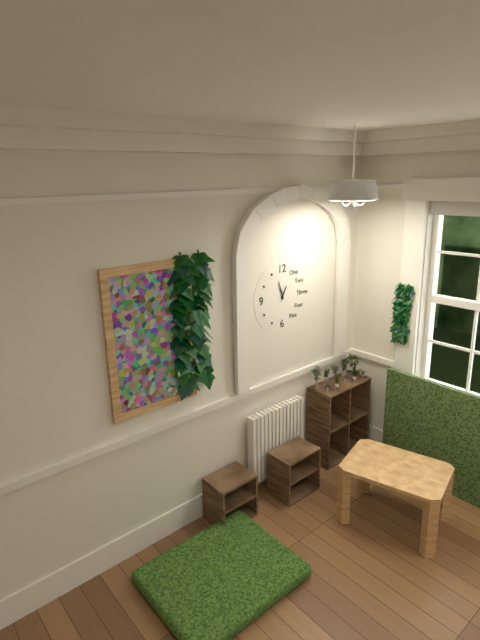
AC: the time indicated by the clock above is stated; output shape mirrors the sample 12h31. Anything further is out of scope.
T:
12h57
